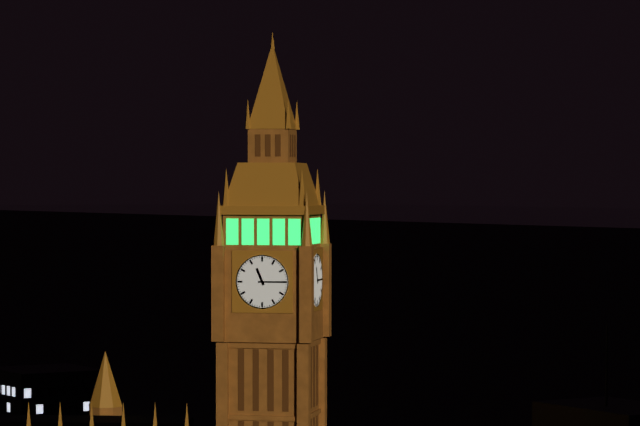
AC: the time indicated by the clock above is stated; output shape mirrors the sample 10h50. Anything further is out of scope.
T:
11h15
